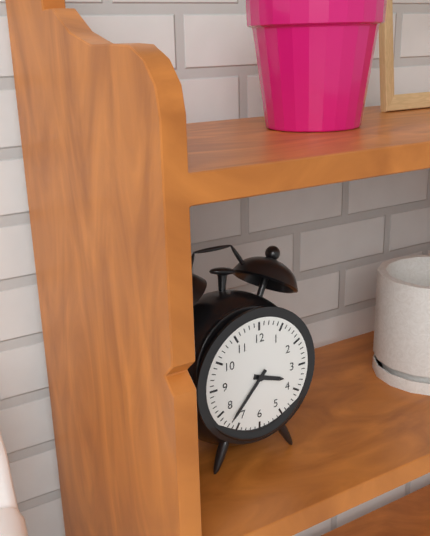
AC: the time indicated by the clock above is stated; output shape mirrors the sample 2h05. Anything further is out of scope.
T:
3h37
